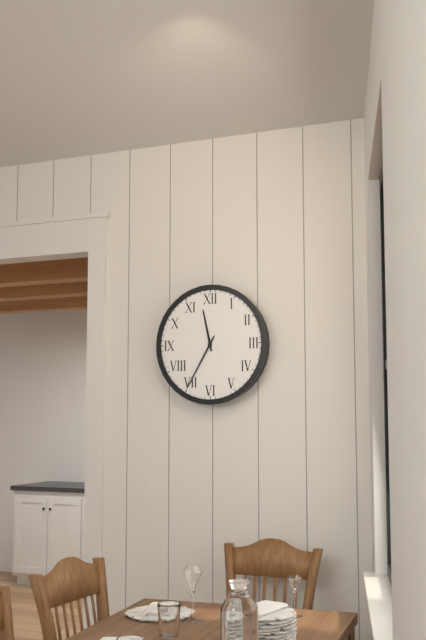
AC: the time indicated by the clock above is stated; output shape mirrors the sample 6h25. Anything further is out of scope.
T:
11h35
